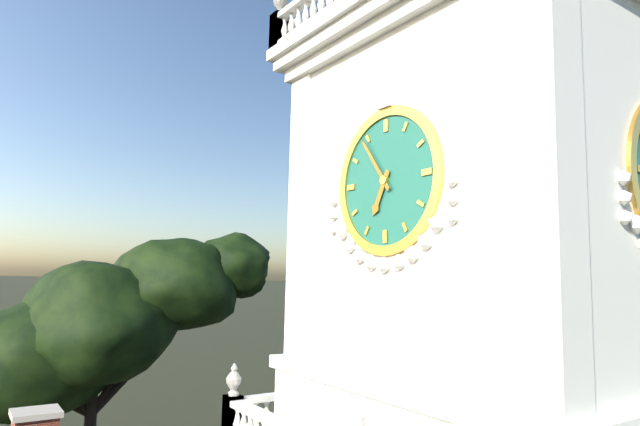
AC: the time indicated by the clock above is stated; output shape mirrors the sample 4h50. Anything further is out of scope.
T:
6h54
